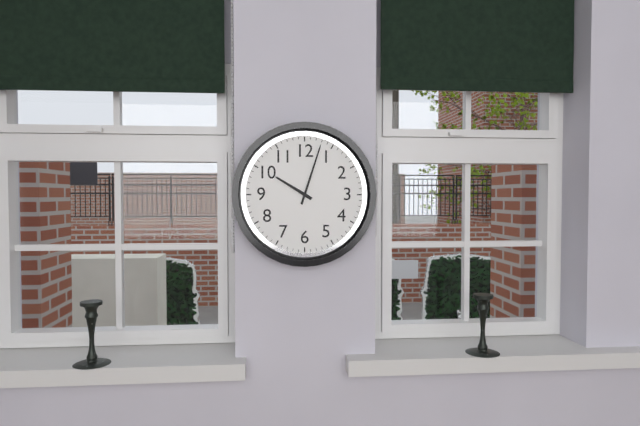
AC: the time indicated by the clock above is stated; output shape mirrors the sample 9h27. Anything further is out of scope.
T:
10h03
